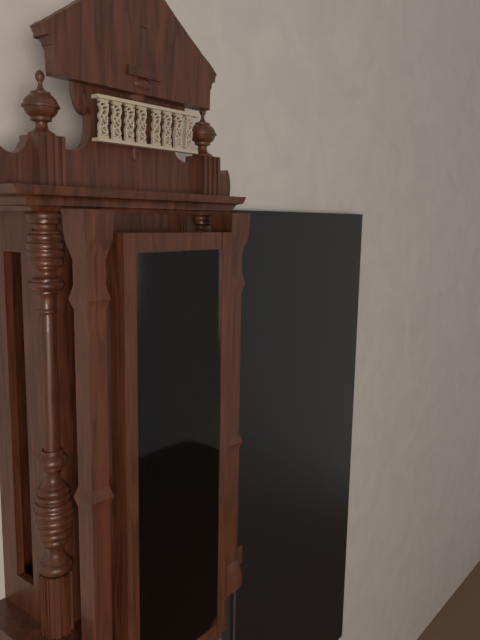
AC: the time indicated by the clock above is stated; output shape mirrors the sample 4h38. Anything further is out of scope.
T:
6h35
